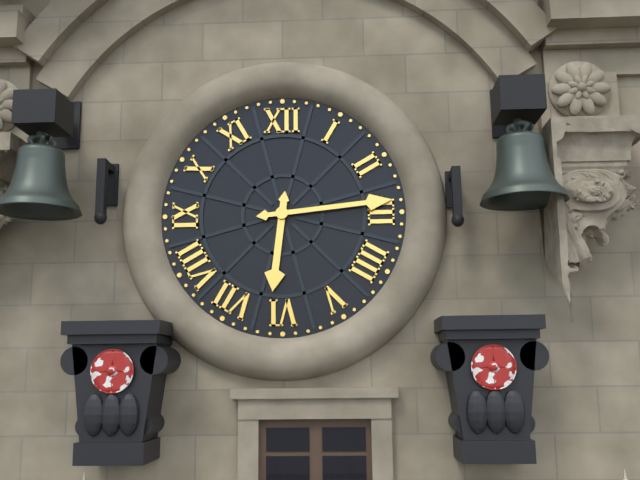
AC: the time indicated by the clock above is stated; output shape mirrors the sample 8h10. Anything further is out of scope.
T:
6h14
